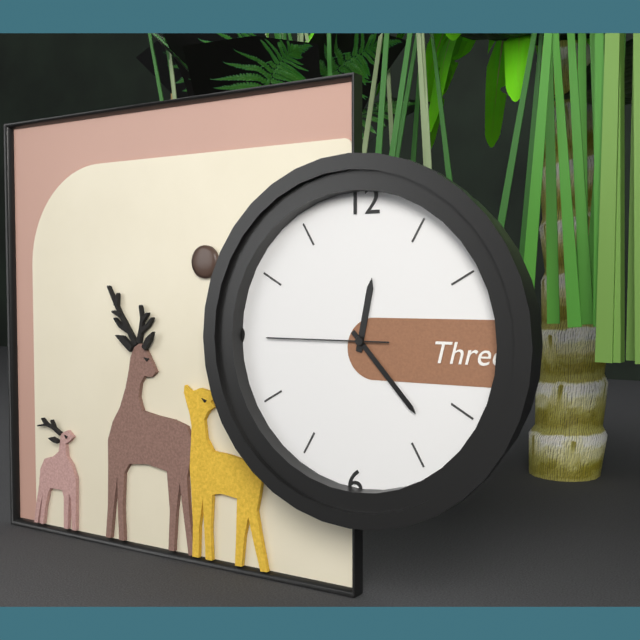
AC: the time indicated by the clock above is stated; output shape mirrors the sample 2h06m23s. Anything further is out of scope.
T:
12h23m45s
